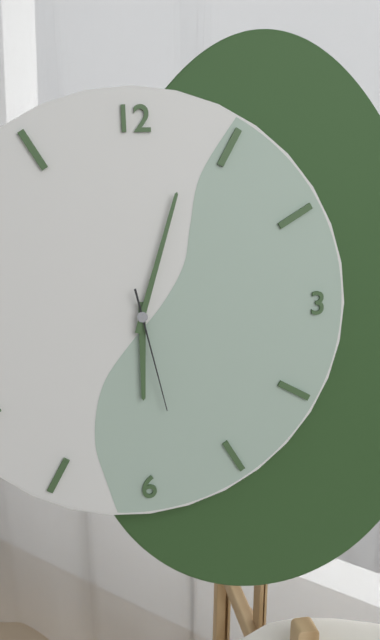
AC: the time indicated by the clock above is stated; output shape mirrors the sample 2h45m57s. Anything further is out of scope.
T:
6h03m28s
